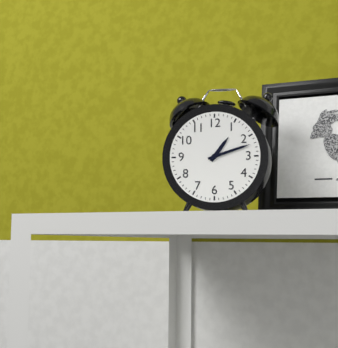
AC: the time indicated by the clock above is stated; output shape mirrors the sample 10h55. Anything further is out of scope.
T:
1h12
